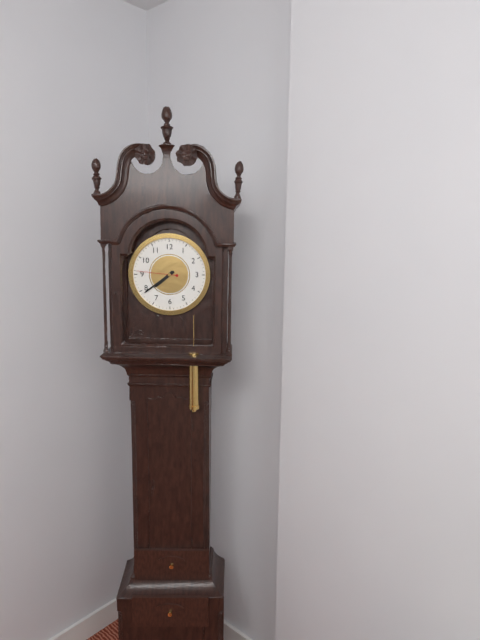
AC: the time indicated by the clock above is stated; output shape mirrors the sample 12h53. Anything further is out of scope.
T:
7h39
